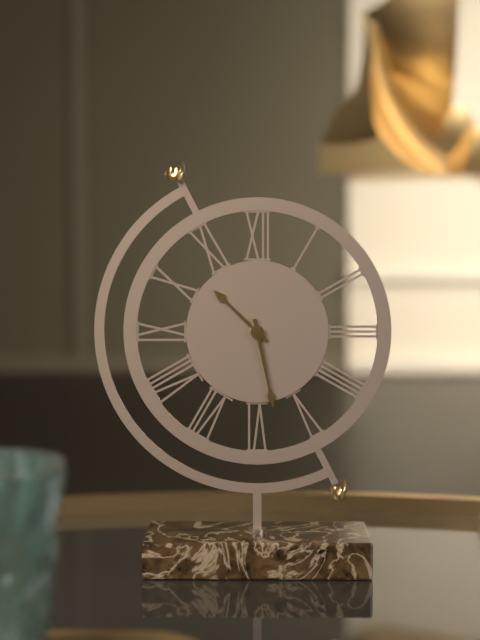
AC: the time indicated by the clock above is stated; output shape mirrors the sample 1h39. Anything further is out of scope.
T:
10h28
